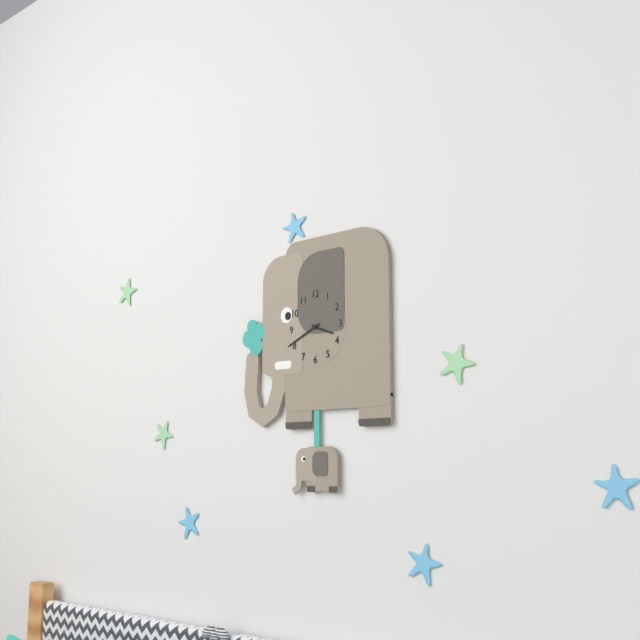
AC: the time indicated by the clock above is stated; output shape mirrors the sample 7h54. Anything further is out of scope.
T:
3h41
